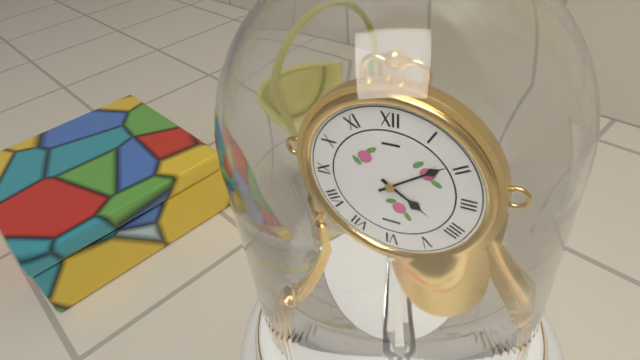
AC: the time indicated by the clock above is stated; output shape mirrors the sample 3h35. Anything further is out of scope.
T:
4h09
